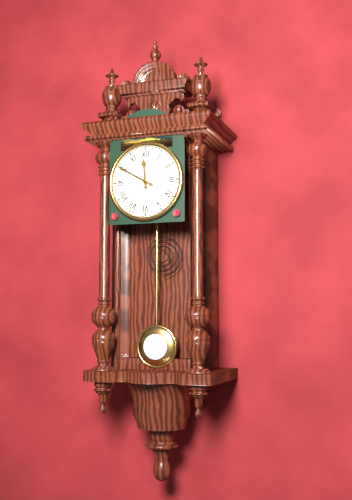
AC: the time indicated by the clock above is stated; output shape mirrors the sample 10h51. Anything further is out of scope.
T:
11h50
